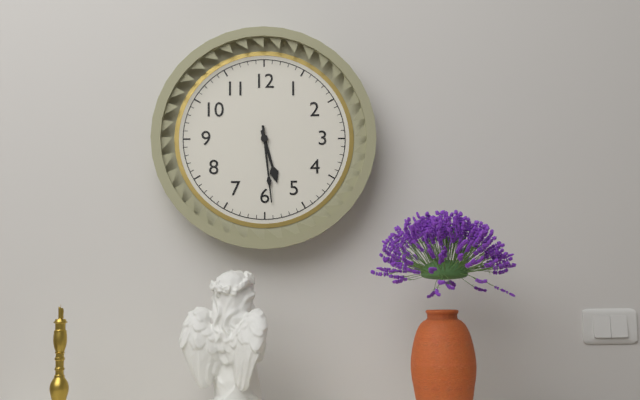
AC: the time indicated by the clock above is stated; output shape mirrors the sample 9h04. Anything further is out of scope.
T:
5h29
